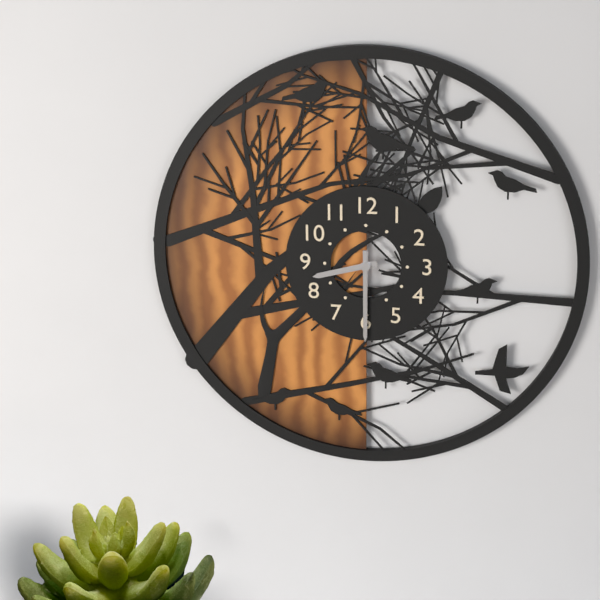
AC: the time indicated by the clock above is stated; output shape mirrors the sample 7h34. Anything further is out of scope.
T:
8h30
